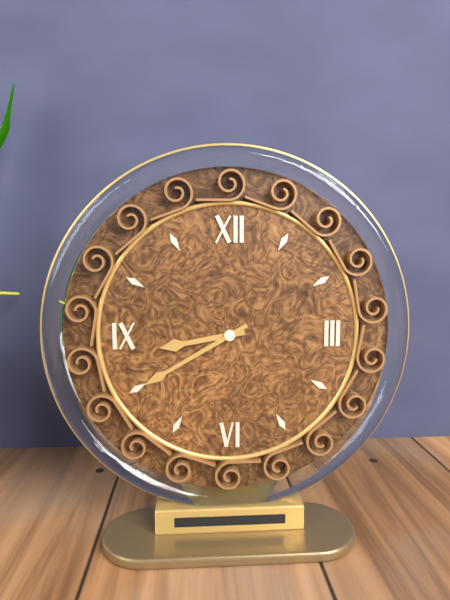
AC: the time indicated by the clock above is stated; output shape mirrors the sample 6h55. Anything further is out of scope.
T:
8h40
